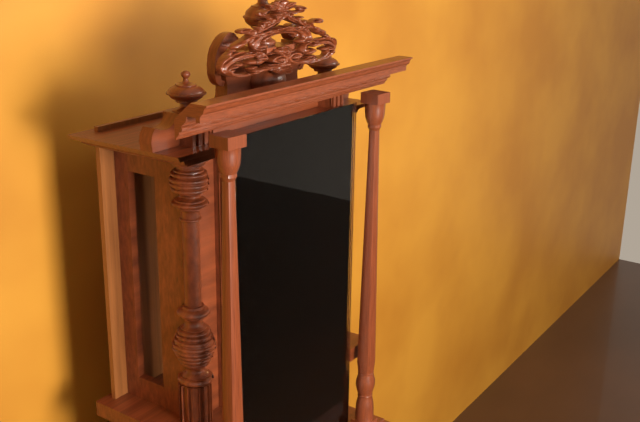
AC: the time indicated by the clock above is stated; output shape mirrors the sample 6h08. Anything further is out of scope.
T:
9h27
